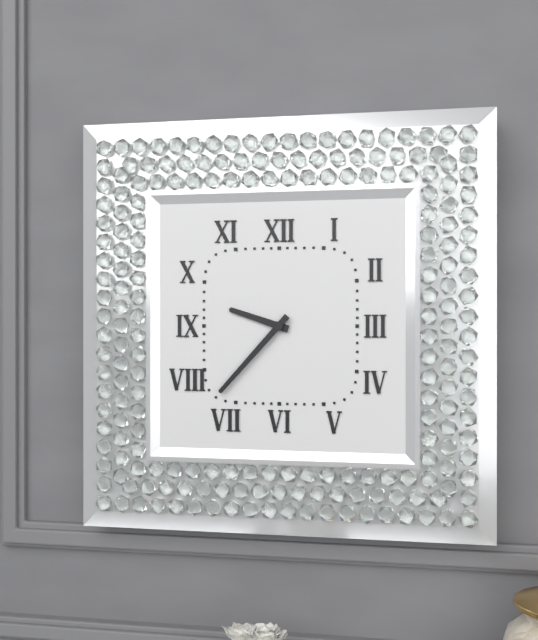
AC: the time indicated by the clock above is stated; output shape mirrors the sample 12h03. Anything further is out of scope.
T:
9h37
